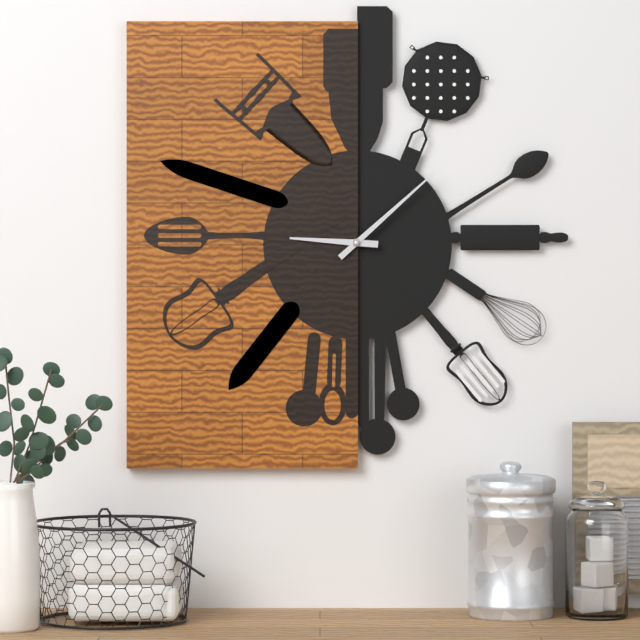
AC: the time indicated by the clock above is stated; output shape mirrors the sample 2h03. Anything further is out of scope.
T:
9h08
